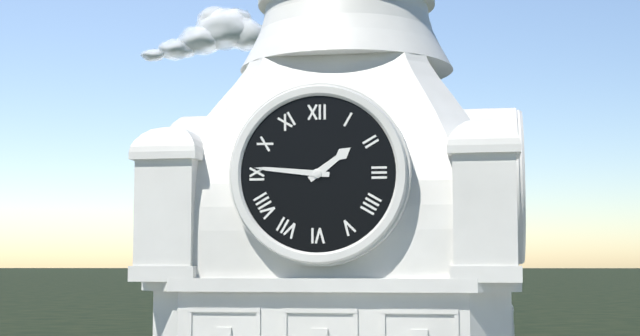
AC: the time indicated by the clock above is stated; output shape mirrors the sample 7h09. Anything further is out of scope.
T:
1h46
